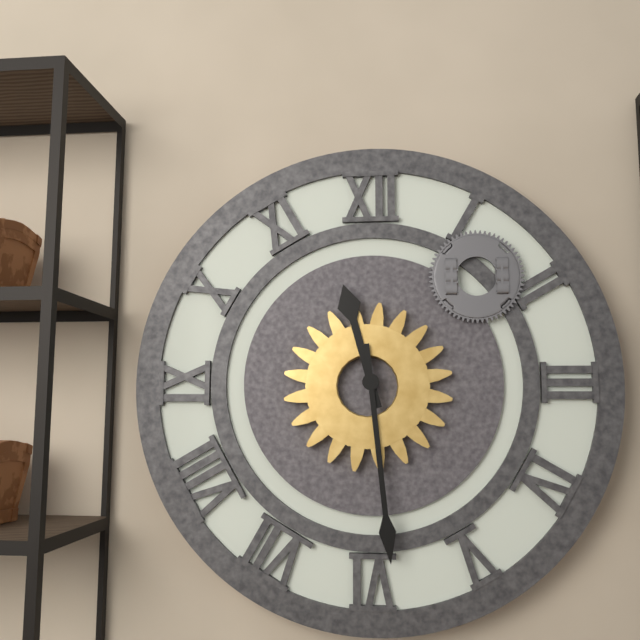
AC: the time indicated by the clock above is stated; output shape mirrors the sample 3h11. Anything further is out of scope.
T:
11h29
